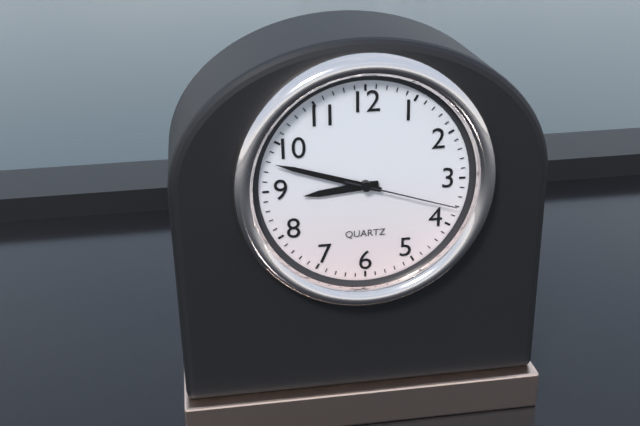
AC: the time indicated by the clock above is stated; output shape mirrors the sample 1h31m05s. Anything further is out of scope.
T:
8h48m18s
